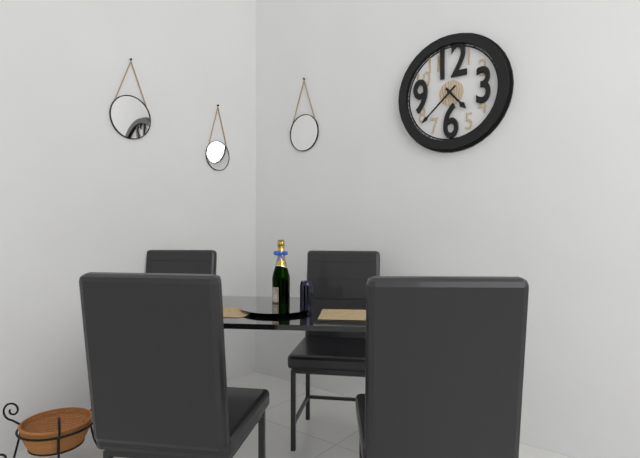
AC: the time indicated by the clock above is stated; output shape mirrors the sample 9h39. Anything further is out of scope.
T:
4h38
